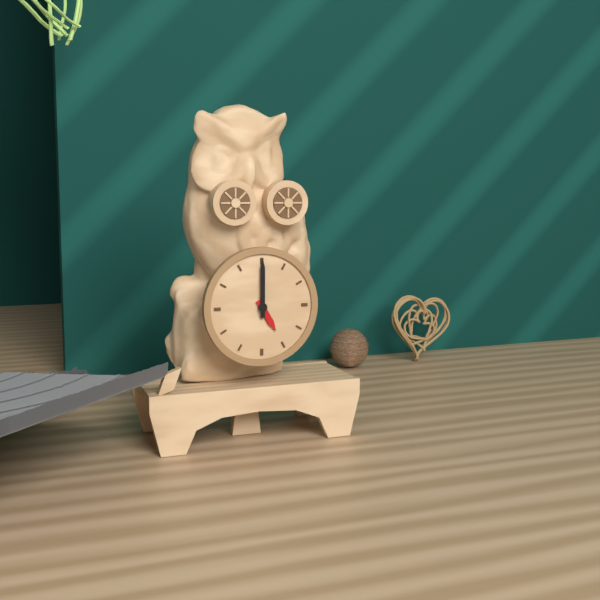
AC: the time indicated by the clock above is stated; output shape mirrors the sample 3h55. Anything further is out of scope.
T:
5h00
